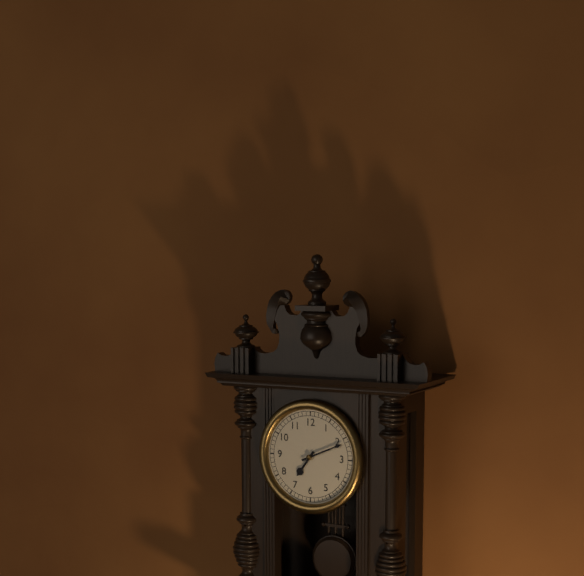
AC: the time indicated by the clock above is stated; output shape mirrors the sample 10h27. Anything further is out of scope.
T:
7h11
